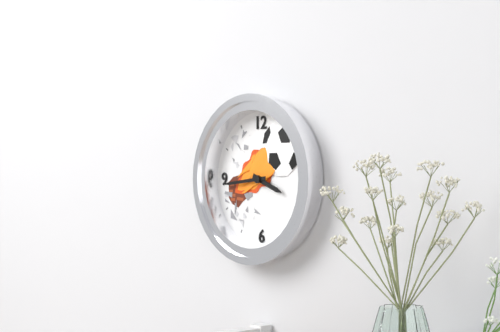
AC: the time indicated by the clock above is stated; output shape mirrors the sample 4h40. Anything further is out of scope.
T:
3h44
